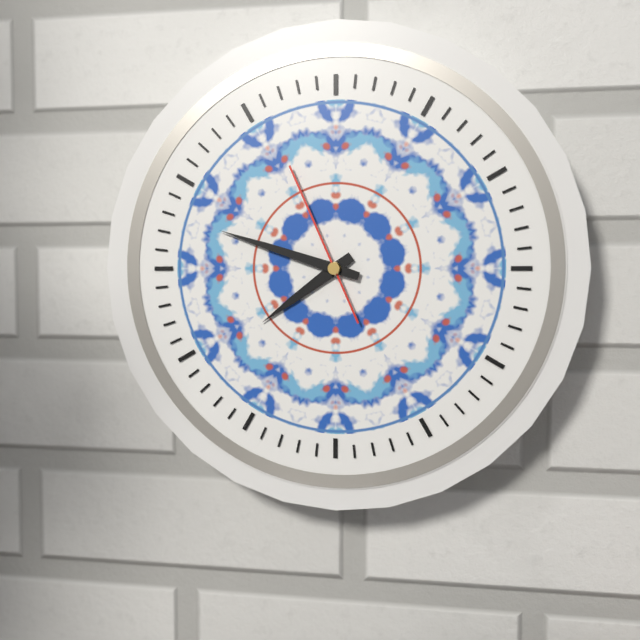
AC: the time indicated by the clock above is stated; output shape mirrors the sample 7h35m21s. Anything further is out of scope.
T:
7h48m56s
